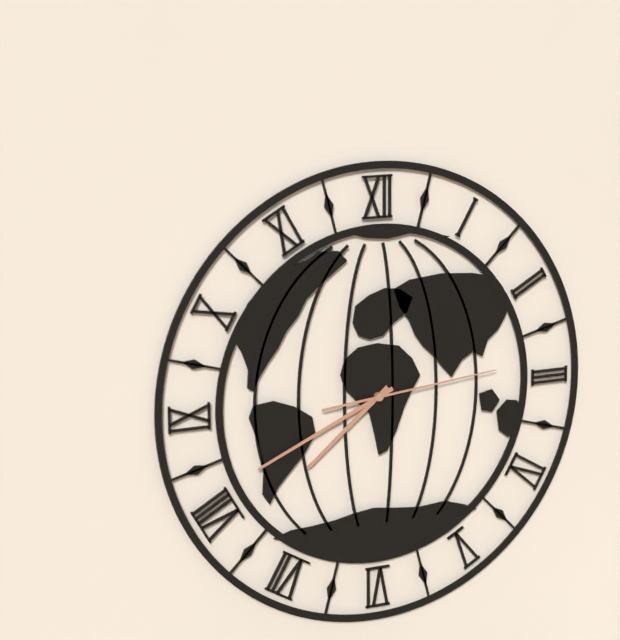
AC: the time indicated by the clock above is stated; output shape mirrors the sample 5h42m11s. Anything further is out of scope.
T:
7h41m14s
